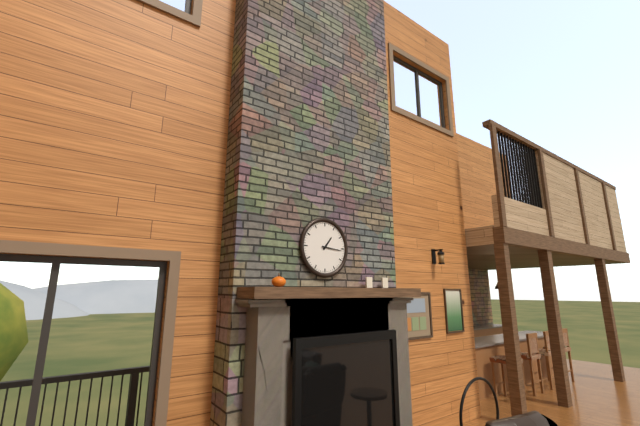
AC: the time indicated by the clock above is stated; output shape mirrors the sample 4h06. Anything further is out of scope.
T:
1h16
